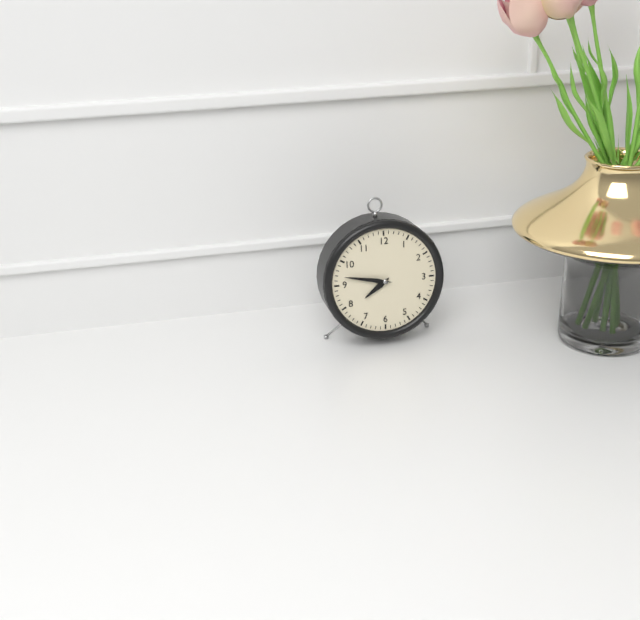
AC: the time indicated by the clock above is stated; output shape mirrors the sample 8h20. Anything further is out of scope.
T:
7h47
